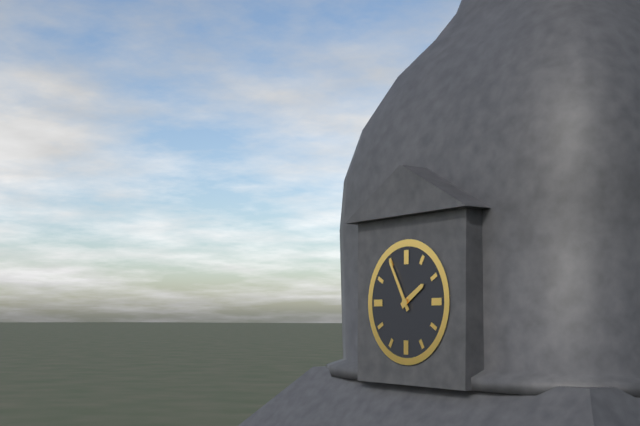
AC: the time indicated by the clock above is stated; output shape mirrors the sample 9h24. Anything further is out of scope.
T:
1h55
